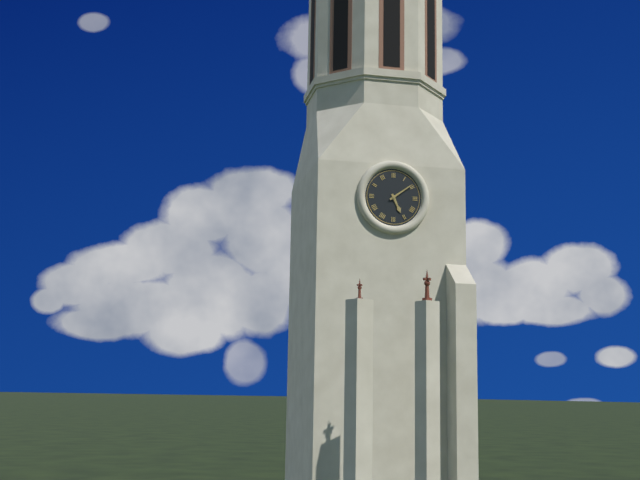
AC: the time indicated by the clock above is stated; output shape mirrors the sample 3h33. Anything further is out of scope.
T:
5h09
